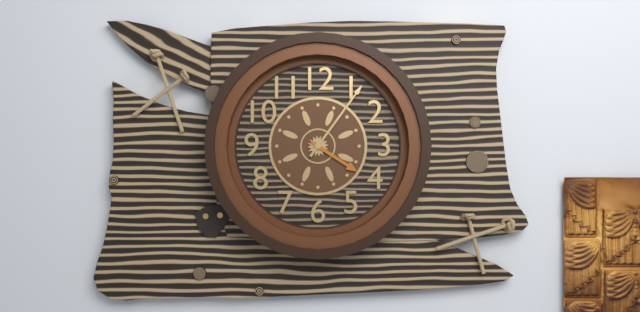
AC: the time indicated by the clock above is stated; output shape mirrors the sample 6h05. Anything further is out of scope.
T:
4h06
